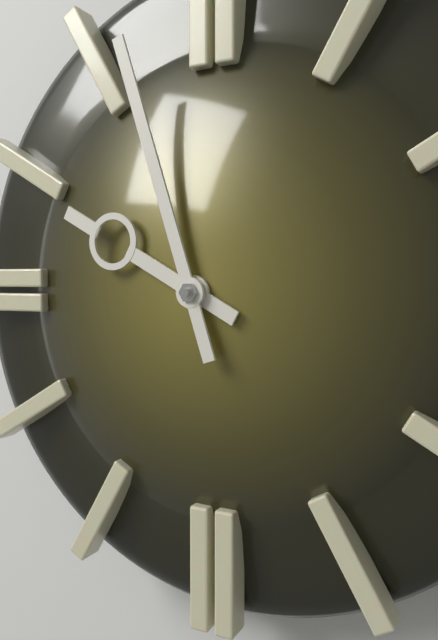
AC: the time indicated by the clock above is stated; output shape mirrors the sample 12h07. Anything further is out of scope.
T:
9h57
